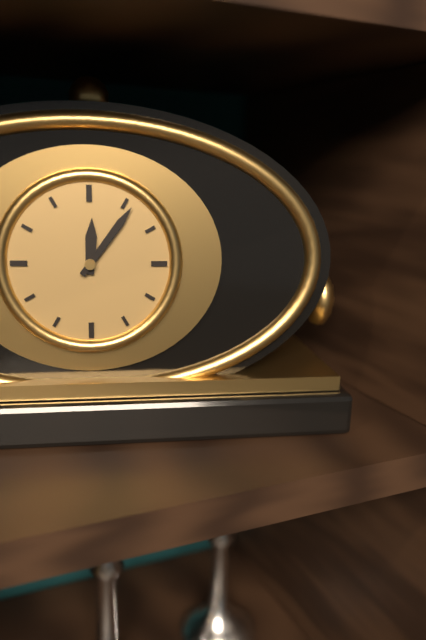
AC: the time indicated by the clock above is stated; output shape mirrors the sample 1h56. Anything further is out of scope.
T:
12h06
